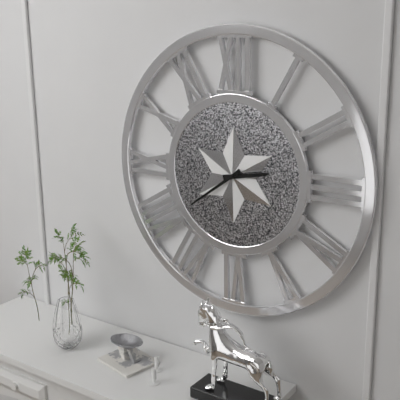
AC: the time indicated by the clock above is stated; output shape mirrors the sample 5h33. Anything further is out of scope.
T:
2h39
